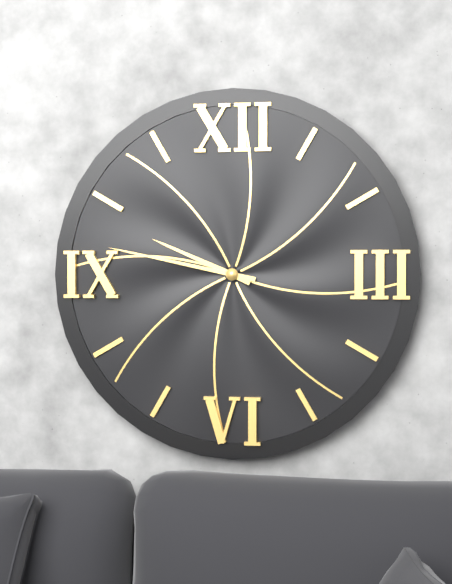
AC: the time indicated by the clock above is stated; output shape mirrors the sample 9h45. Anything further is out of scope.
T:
9h47
